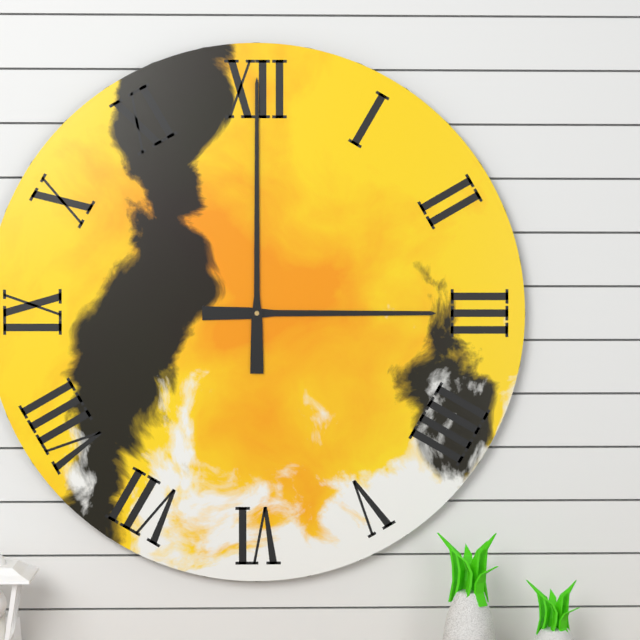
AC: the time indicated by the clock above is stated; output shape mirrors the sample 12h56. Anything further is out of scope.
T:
3h00
